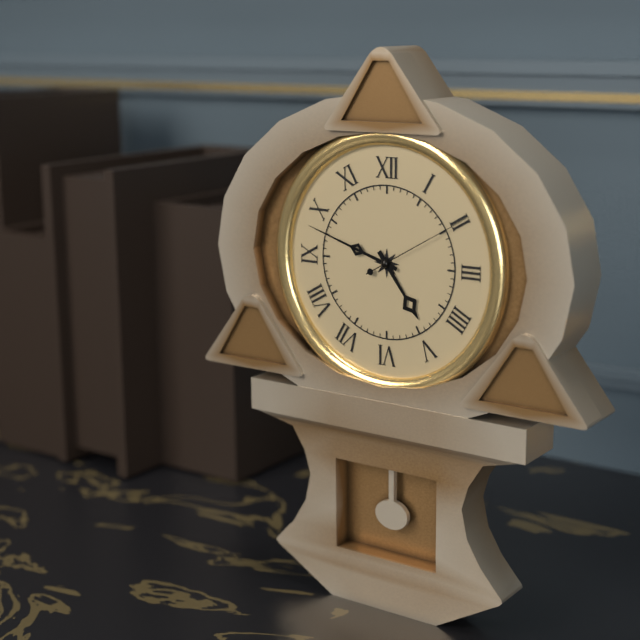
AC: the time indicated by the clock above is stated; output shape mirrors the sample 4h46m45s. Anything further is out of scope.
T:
4h48m10s
